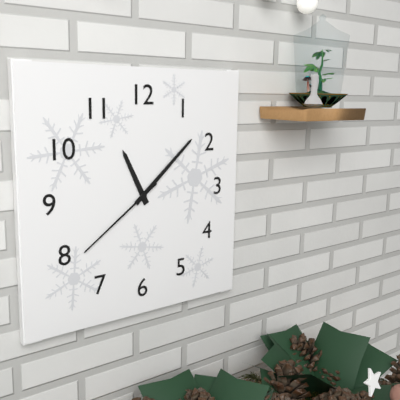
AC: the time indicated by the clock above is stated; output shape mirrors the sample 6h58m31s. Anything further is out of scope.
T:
11h08m39s
